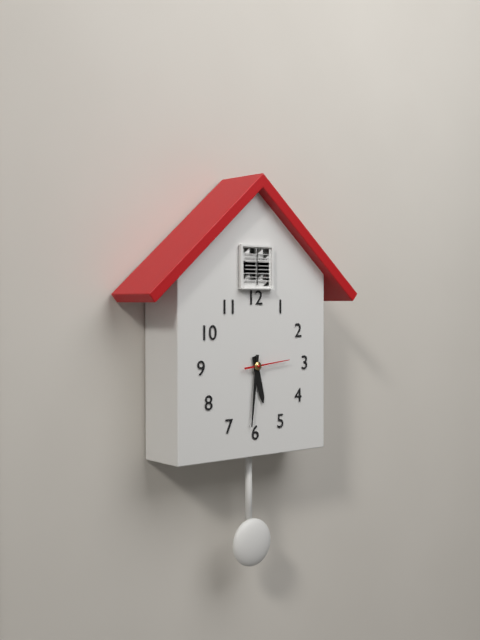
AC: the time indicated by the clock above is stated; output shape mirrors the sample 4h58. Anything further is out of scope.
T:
5h31
